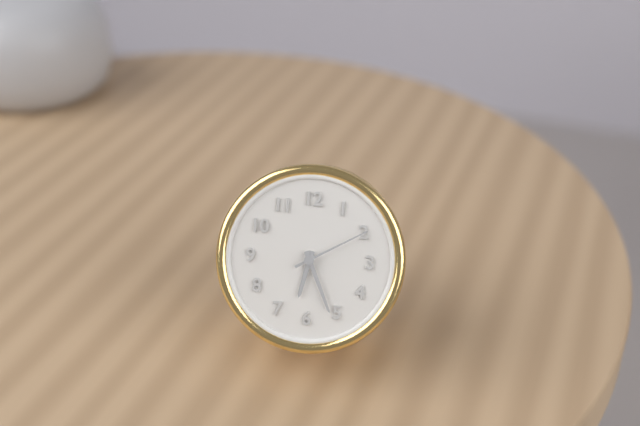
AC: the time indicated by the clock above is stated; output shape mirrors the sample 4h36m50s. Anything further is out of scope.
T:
6h26m10s
